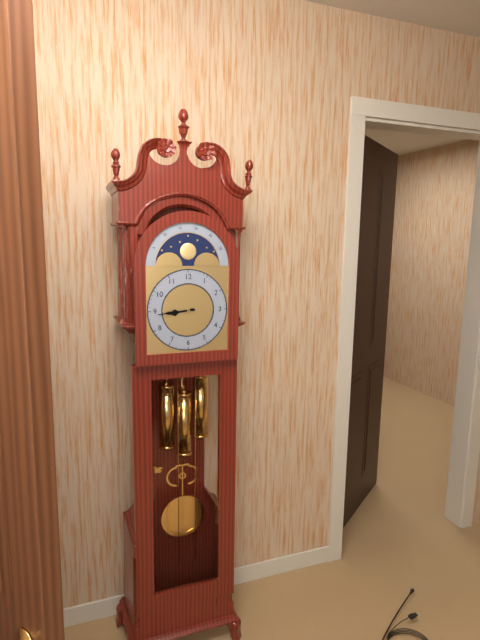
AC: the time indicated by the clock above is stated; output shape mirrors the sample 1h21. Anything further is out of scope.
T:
8h44
